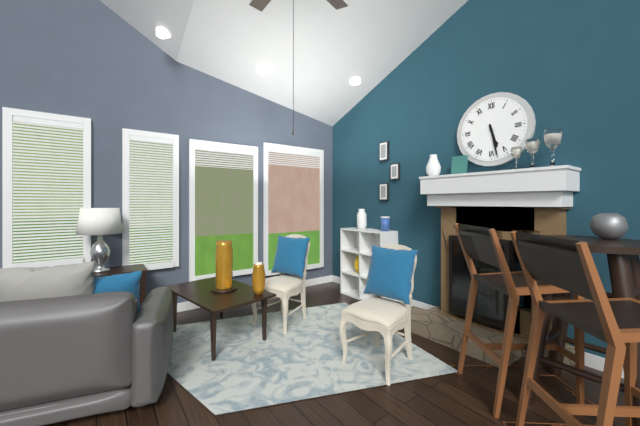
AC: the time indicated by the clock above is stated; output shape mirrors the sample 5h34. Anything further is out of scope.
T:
5h28
